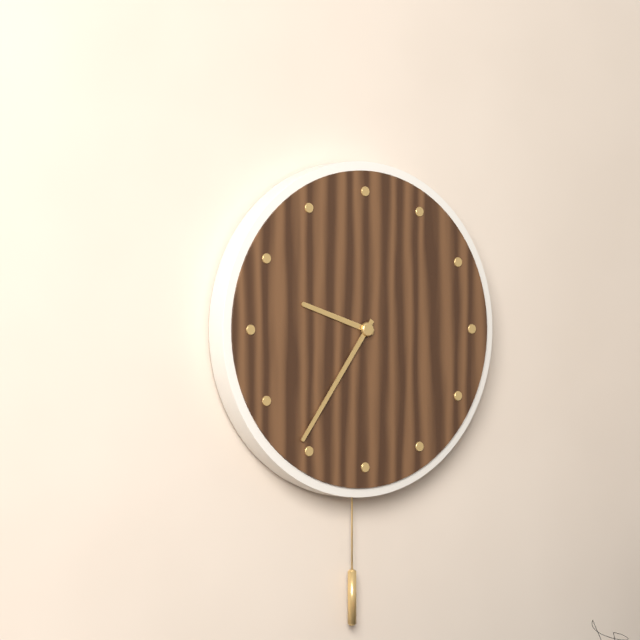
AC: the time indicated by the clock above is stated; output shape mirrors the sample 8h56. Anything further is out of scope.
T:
9h36
